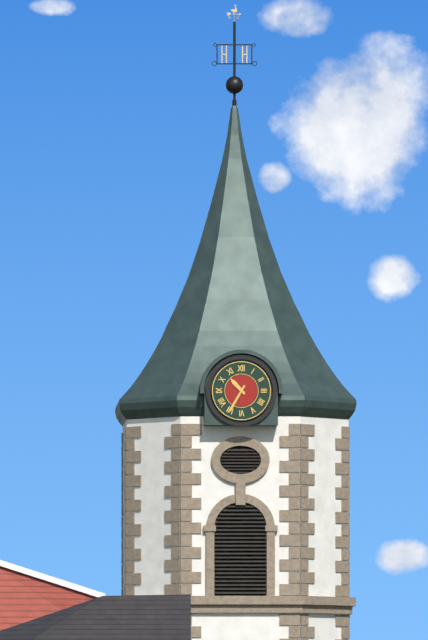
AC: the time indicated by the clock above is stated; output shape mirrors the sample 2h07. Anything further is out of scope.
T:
10h35
